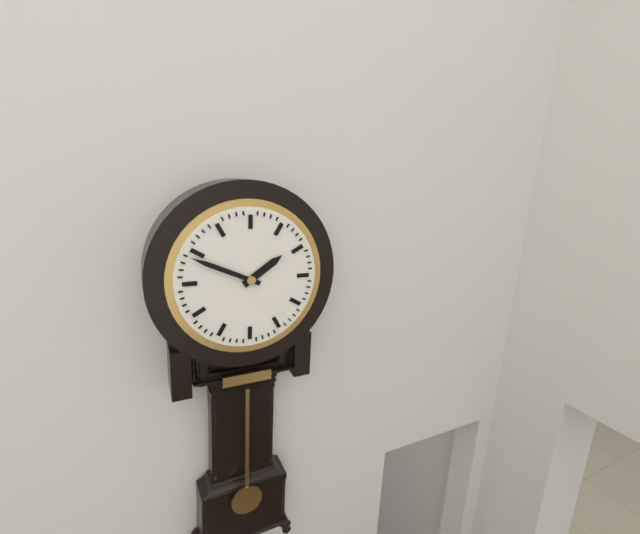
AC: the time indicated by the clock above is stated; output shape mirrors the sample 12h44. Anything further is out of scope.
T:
1h49
